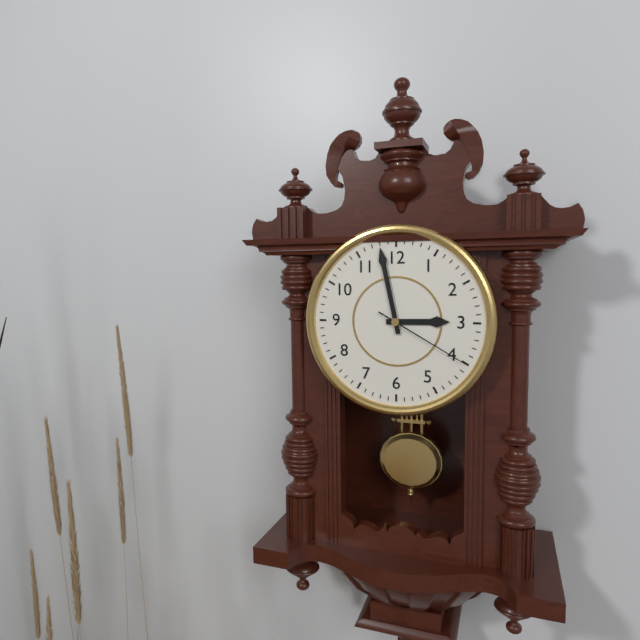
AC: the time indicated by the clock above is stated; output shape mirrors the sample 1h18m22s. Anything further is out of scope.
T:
2h58m20s
